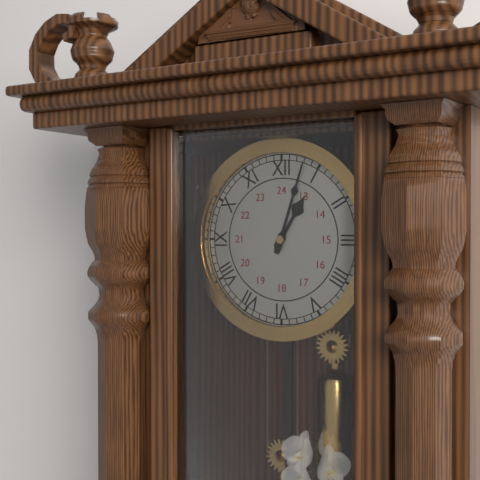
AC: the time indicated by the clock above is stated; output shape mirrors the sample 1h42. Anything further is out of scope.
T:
1h03
